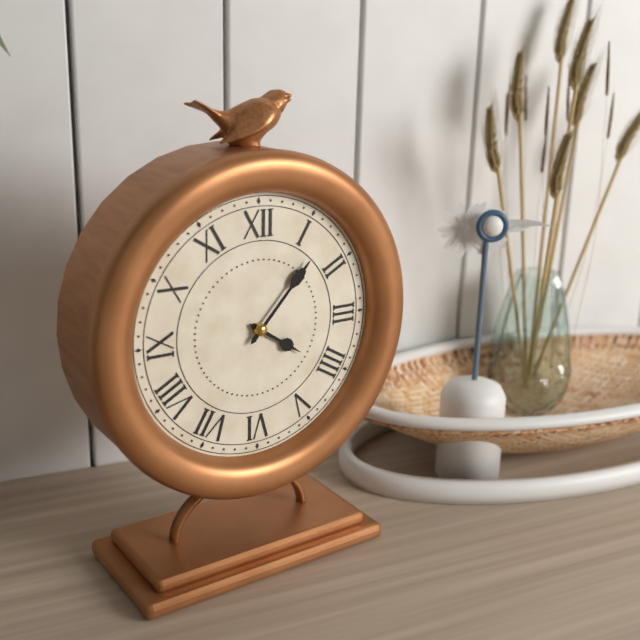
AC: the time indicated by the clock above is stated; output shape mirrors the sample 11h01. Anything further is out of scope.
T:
4h07
